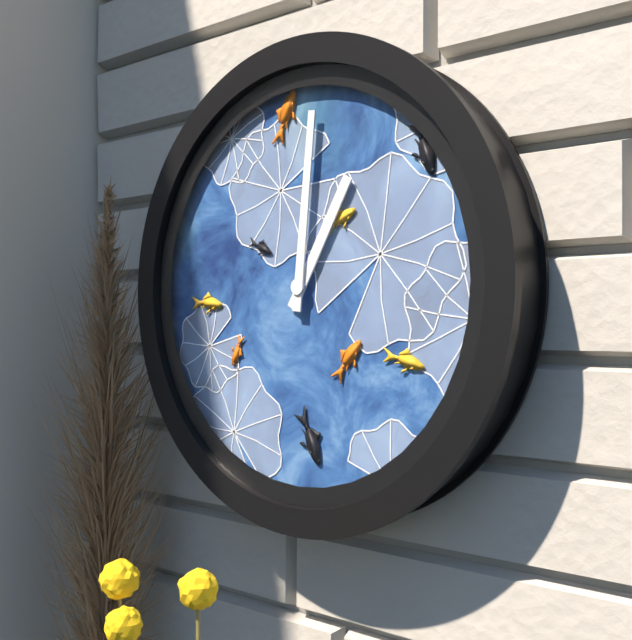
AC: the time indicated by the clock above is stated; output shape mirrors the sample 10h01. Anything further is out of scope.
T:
1h01
